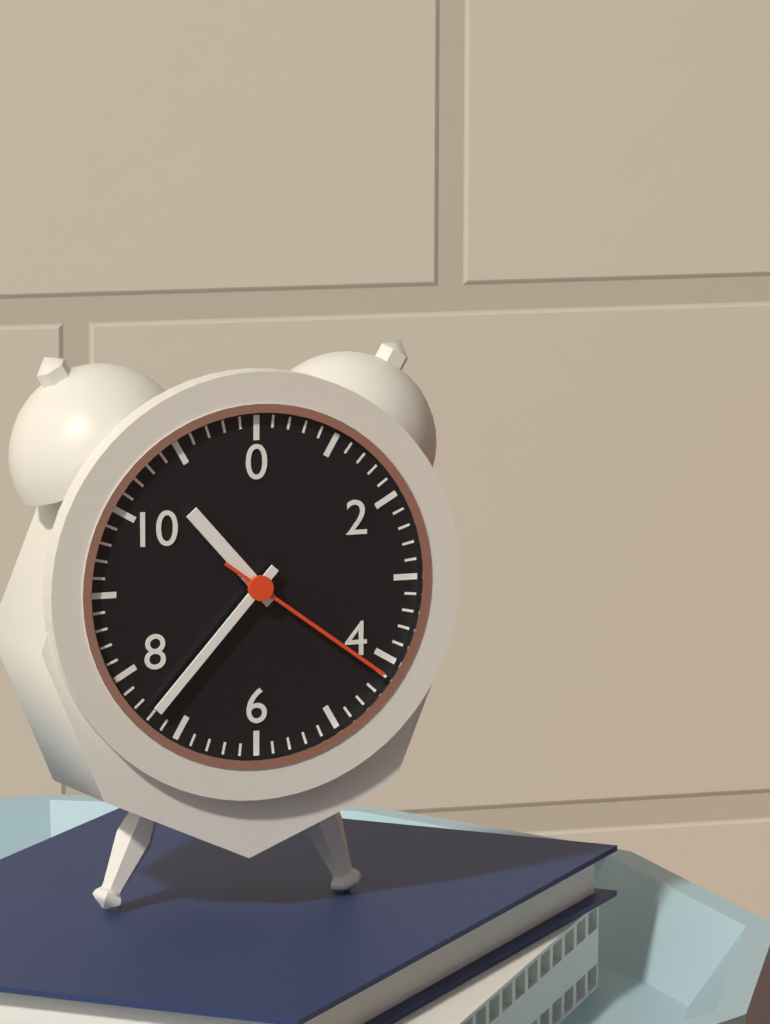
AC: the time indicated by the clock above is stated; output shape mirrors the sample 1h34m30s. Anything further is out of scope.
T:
10h37m21s
